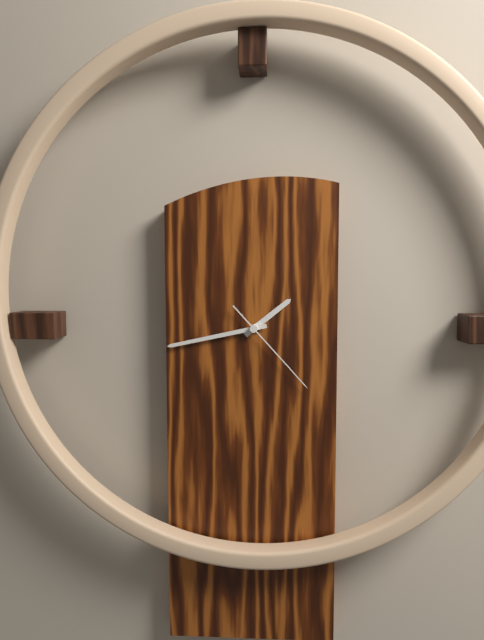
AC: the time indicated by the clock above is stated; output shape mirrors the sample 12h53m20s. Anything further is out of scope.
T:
1h43m23s
